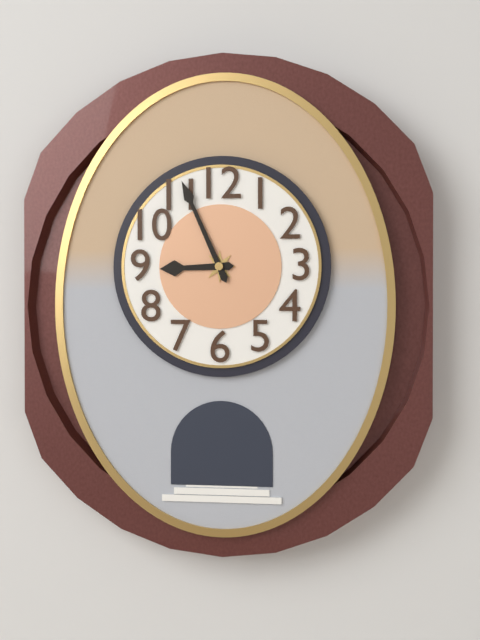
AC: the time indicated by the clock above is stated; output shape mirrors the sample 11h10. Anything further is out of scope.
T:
8h56
